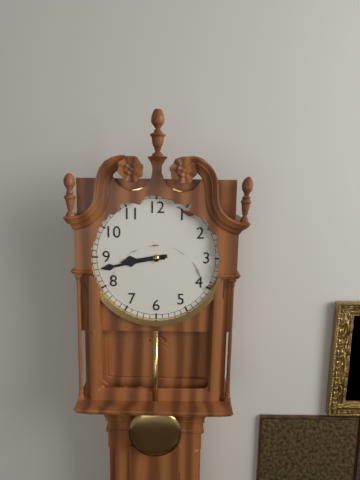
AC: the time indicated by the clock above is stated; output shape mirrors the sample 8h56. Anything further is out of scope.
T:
8h43
